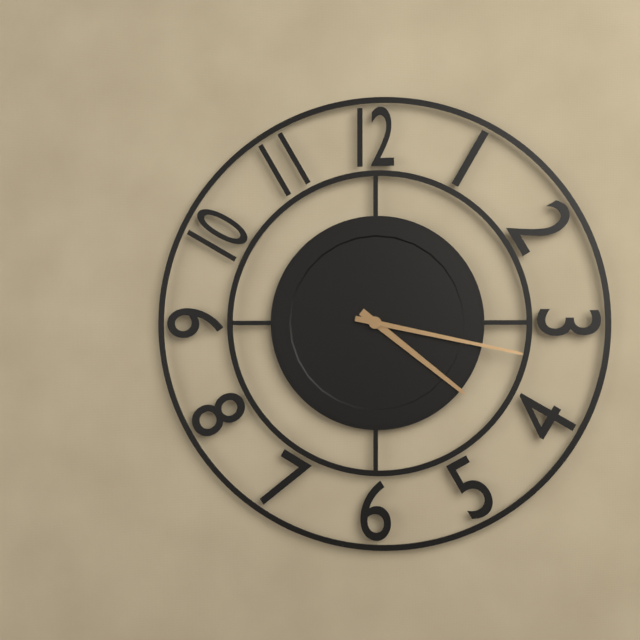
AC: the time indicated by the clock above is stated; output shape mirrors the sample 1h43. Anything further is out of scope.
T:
4h17
